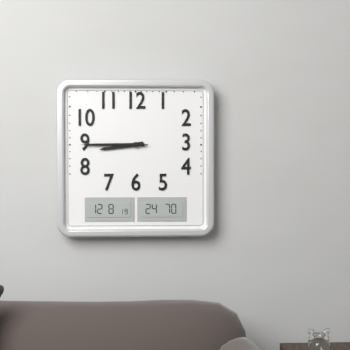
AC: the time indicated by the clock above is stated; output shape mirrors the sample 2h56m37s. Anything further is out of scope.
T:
8h45m45s
